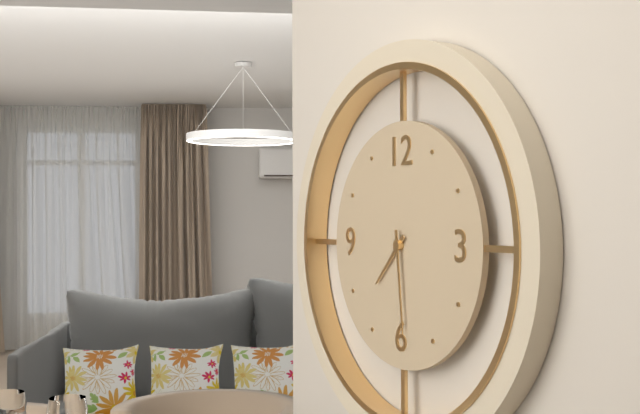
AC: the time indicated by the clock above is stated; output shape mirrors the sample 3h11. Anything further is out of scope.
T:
7h29
